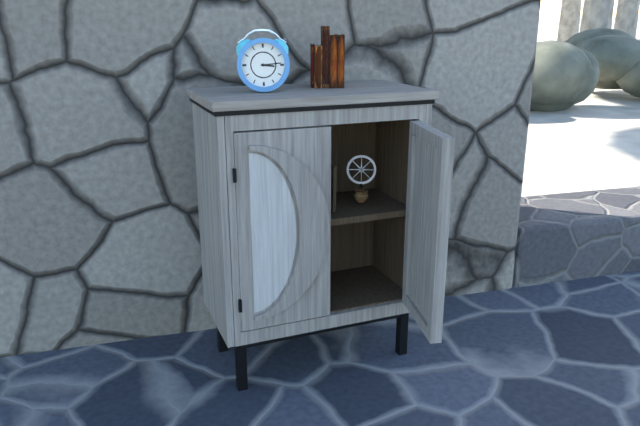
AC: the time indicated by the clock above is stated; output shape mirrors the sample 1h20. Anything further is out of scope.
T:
3h14
